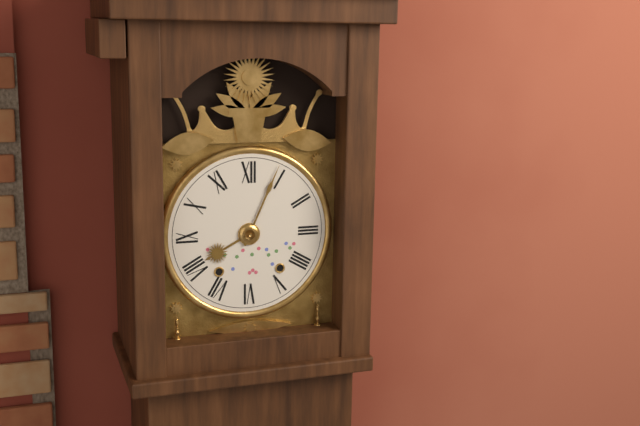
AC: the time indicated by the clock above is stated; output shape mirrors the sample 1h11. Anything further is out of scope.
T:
8h04
